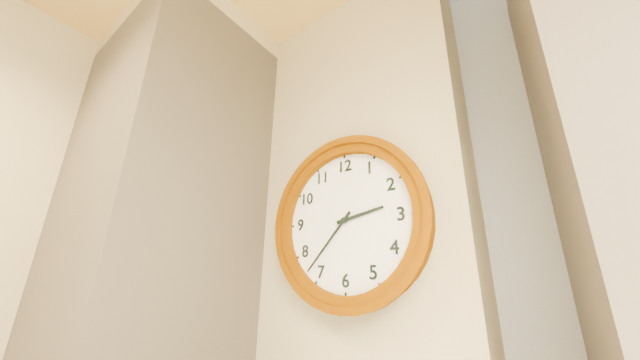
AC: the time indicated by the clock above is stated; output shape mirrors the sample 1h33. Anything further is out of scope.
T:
2h37
